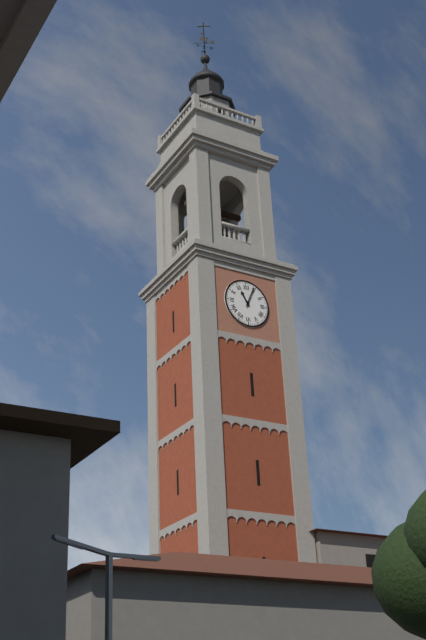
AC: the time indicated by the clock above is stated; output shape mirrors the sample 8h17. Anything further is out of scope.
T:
11h04
